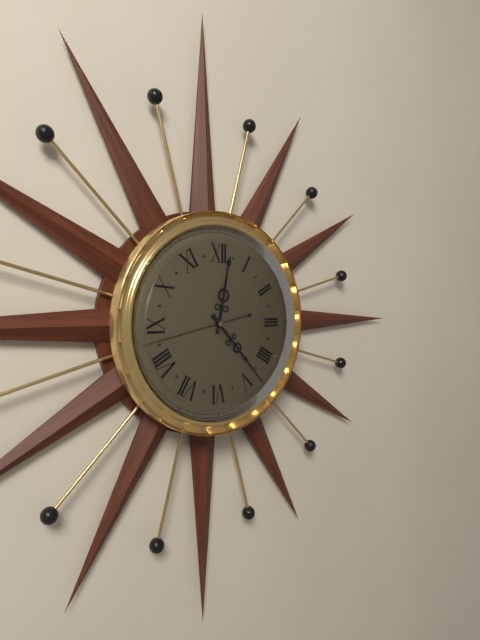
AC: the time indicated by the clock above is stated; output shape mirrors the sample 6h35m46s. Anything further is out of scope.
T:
12h23m43s
